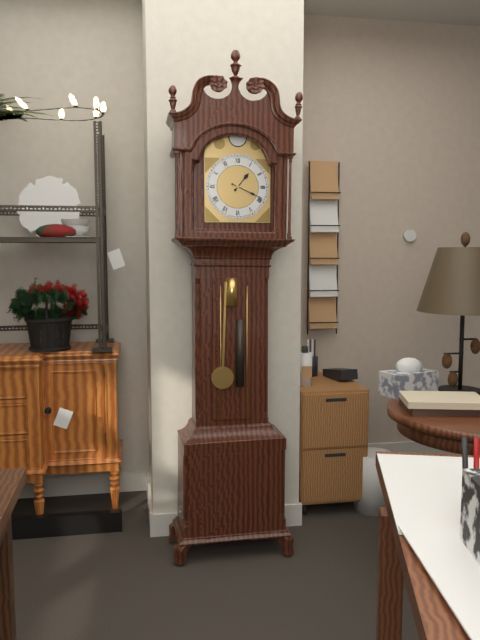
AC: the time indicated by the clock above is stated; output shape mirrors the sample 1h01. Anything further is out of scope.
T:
1h19
